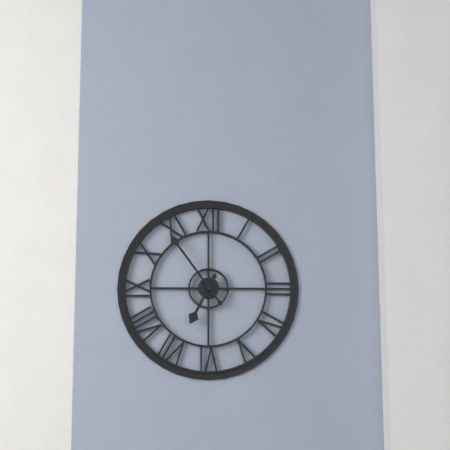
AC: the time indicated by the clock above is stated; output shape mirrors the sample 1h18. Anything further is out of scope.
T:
6h54
